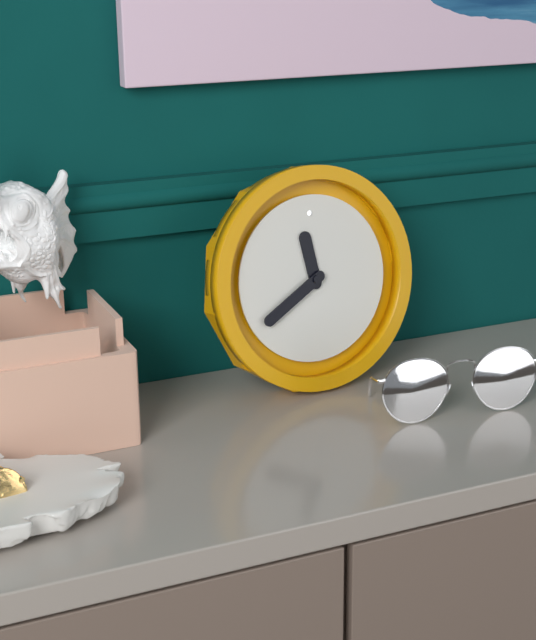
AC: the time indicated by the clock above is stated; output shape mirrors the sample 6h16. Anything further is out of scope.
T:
11h40
